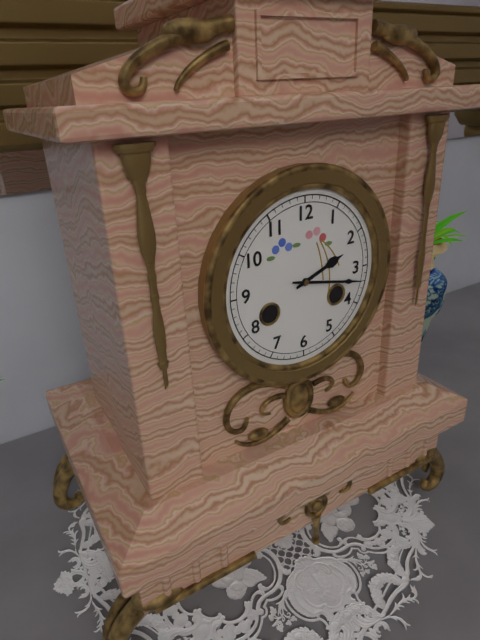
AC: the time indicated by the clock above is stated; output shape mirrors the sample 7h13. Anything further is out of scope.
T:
2h17
